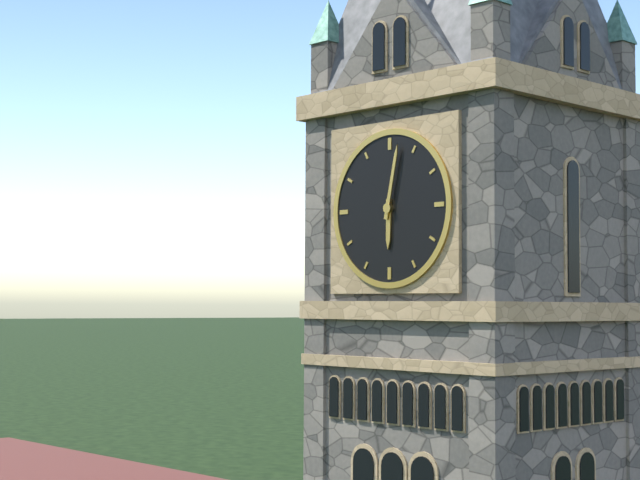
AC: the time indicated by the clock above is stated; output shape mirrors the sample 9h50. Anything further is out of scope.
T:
6h02
